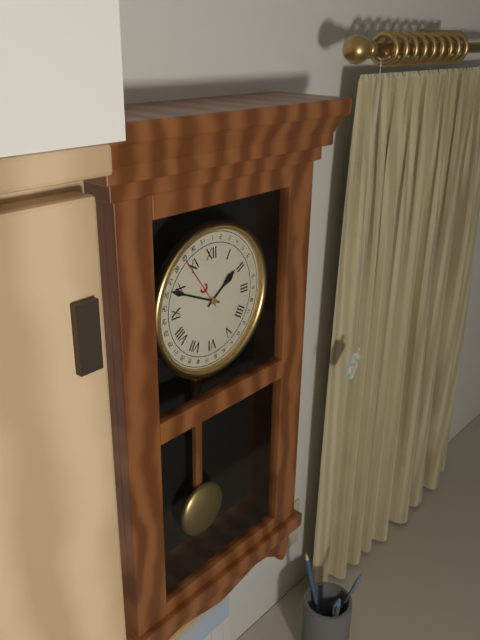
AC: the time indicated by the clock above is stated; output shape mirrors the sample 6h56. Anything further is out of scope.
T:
1h49
